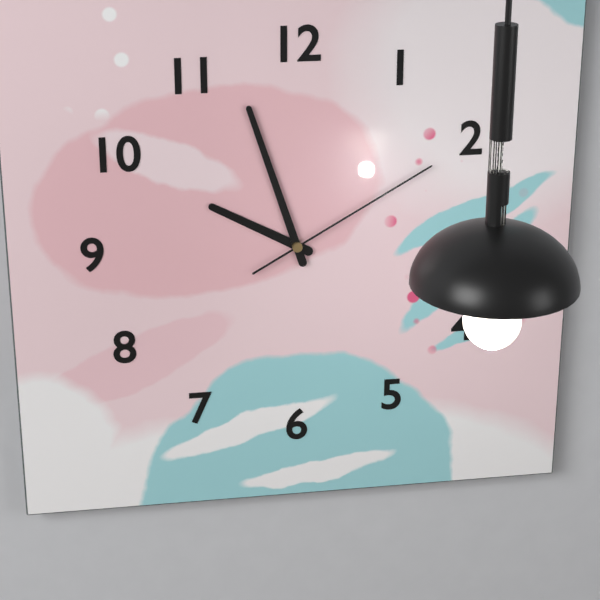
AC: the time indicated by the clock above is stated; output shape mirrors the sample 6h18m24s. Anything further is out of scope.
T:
9h57m10s
